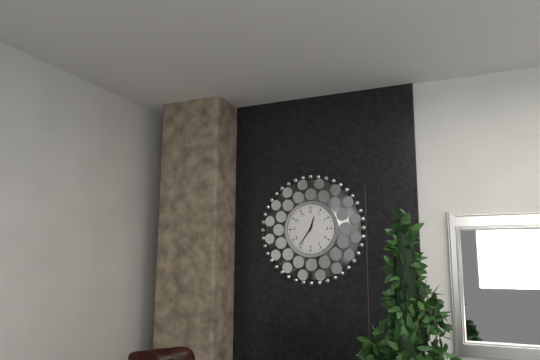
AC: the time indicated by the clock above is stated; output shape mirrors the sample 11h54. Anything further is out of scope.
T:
12h36
